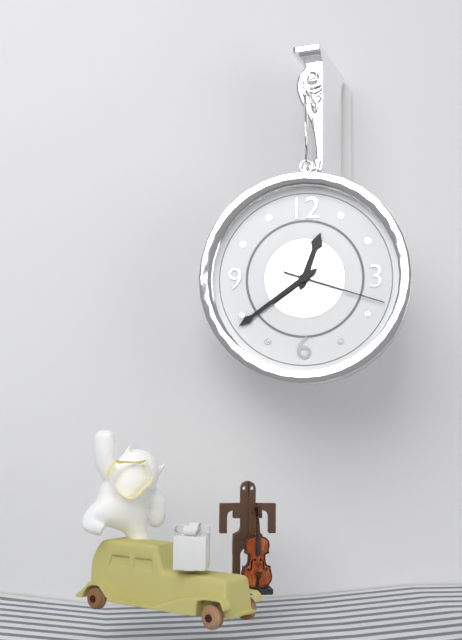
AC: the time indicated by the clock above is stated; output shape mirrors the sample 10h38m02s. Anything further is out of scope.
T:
12h39m18s
